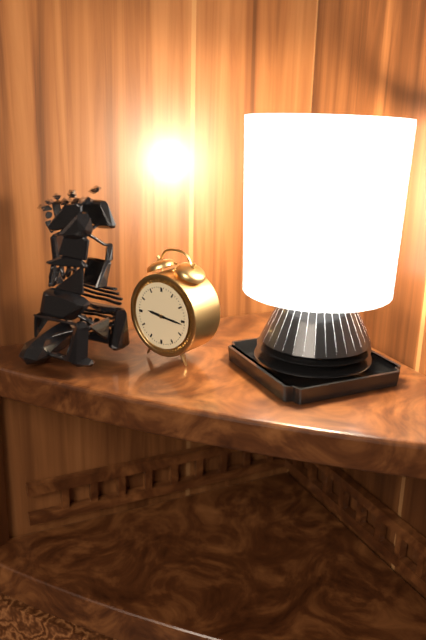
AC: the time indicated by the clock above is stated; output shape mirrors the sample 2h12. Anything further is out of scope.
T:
9h16
